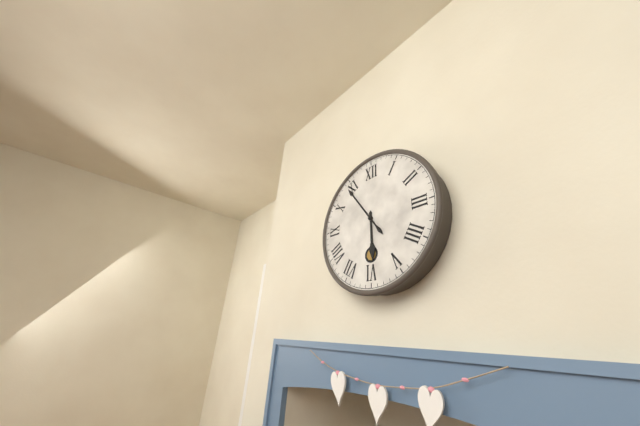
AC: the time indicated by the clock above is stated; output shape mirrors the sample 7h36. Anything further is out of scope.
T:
5h54
